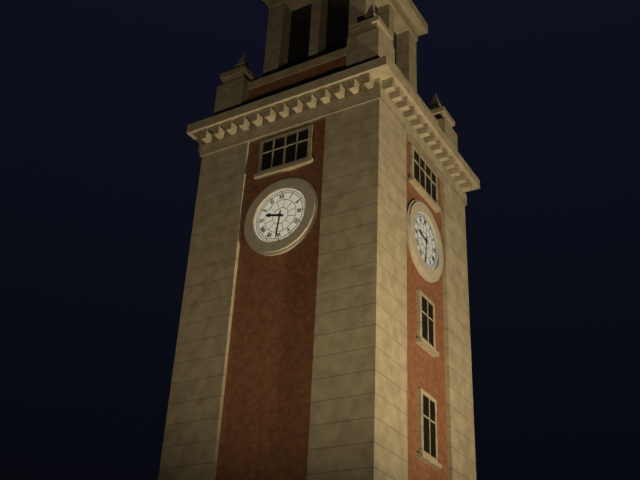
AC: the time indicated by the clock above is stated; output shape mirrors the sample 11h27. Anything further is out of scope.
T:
9h31
